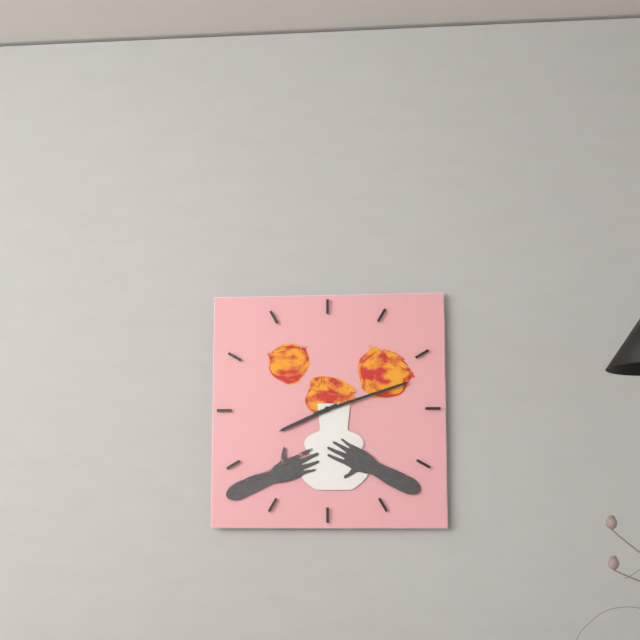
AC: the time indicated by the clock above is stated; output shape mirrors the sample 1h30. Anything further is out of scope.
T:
8h12
